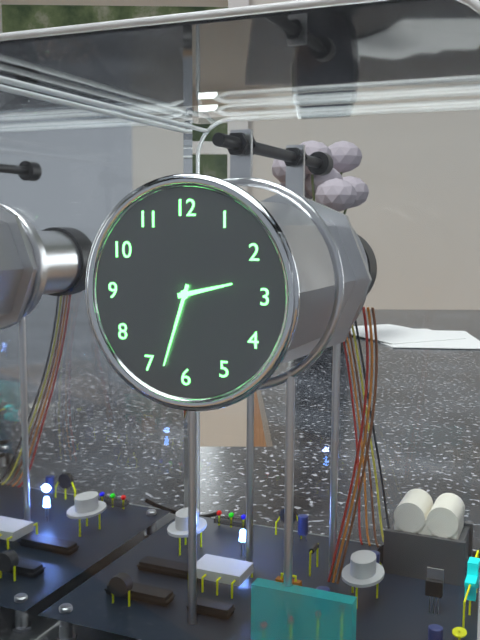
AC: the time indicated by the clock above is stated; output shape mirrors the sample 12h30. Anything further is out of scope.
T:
2h33
